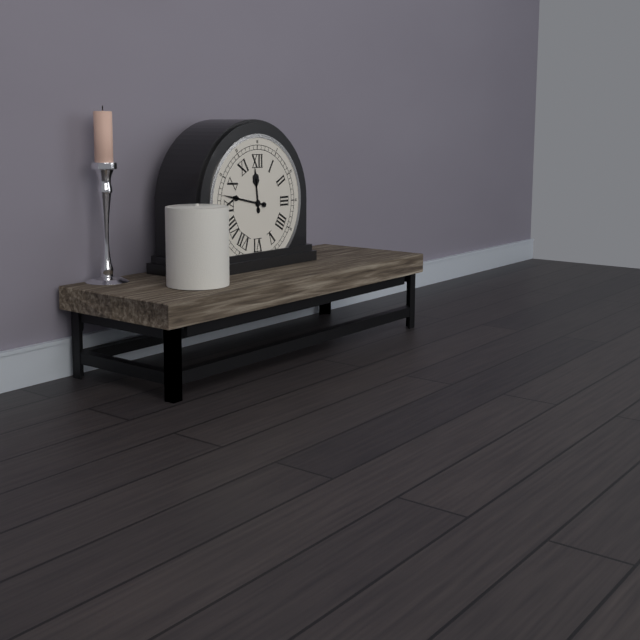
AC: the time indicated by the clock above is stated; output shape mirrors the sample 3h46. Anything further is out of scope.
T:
11h47
